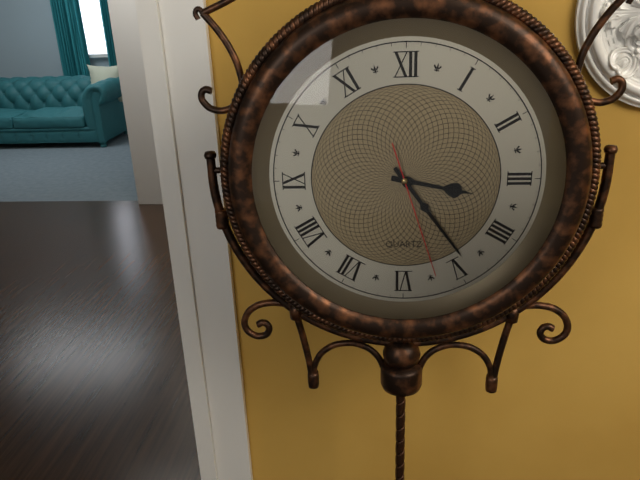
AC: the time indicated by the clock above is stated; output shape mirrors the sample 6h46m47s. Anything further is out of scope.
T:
3h24m27s
